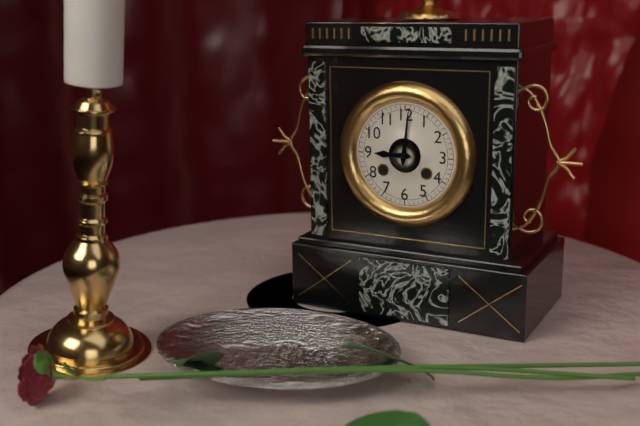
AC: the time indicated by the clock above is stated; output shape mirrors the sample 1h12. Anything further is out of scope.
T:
9h01
